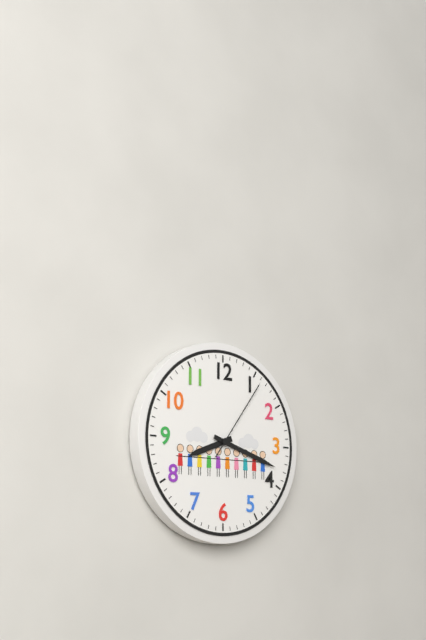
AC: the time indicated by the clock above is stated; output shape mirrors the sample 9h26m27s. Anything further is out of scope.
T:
8h18m06s
